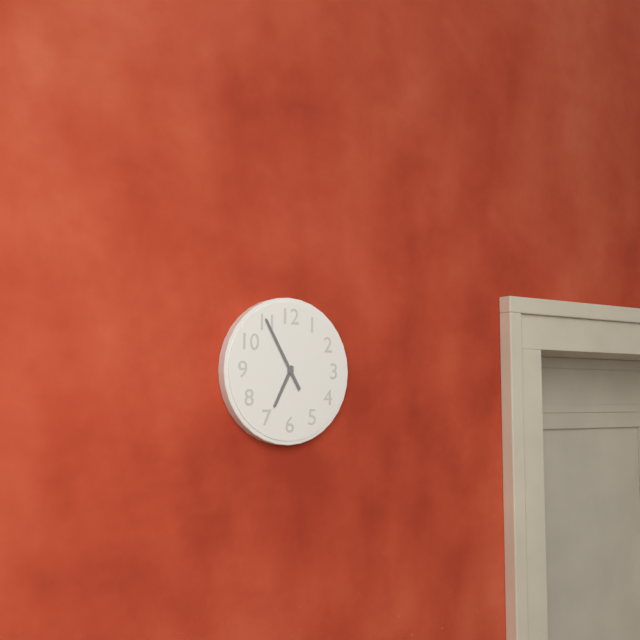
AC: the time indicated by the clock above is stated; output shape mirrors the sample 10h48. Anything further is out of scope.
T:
6h55
